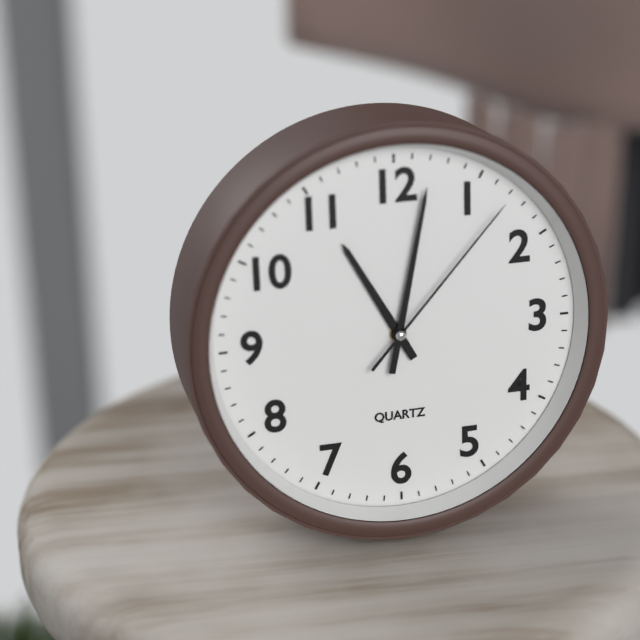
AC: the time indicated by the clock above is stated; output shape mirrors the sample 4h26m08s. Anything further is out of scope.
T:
11h02m07s
